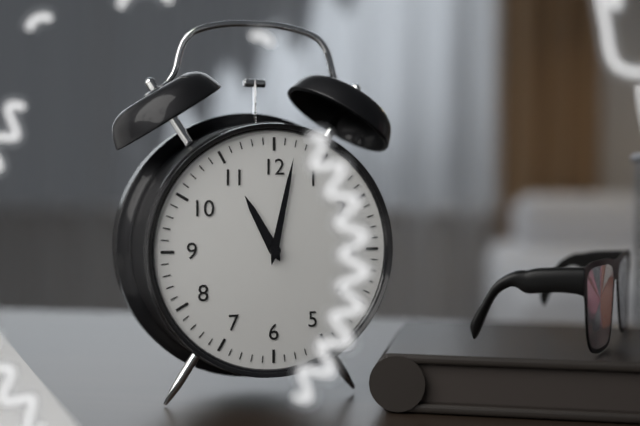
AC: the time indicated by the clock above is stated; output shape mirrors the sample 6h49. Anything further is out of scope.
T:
11h02
